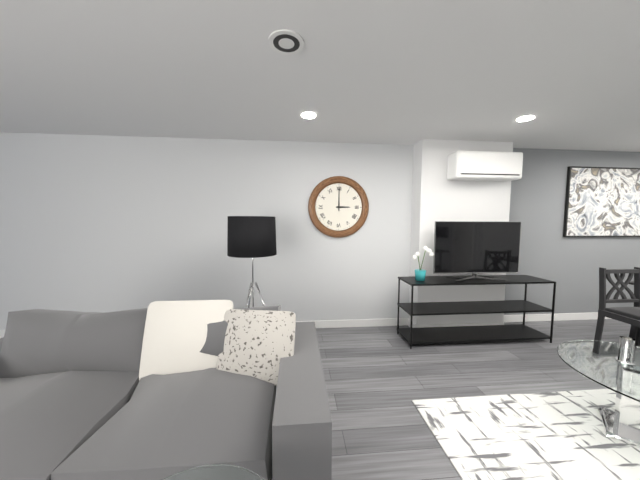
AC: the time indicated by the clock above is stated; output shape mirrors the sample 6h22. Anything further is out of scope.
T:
3h00
